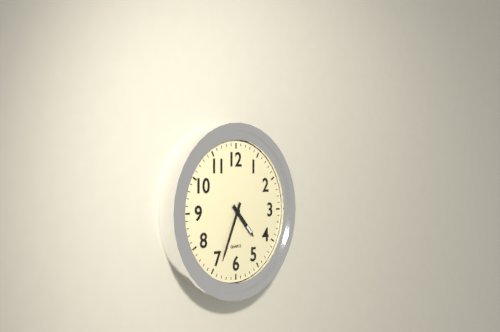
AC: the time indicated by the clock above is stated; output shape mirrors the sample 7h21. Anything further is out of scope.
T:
4h34
